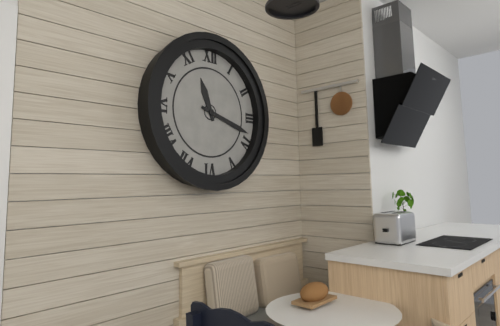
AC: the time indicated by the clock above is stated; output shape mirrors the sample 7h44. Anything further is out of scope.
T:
11h18
